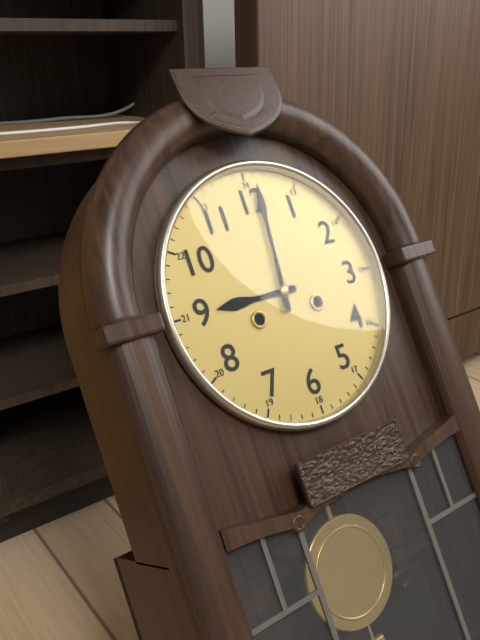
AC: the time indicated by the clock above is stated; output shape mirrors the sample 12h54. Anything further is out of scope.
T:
9h01
